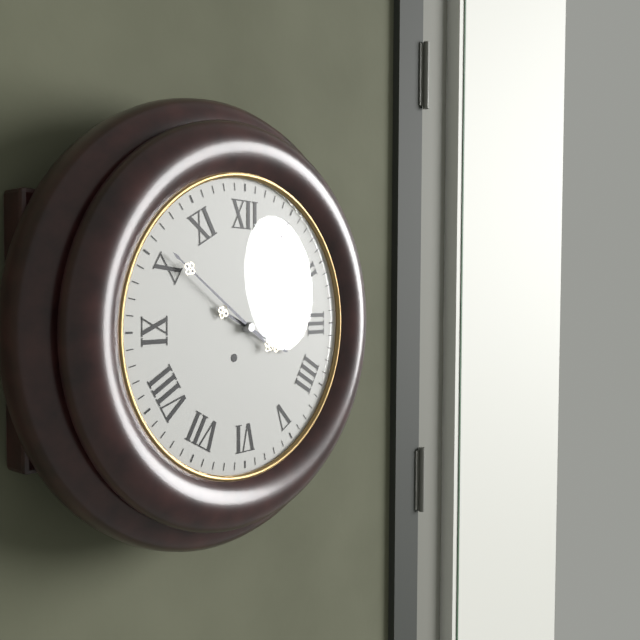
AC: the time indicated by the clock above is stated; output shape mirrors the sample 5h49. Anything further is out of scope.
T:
3h51
